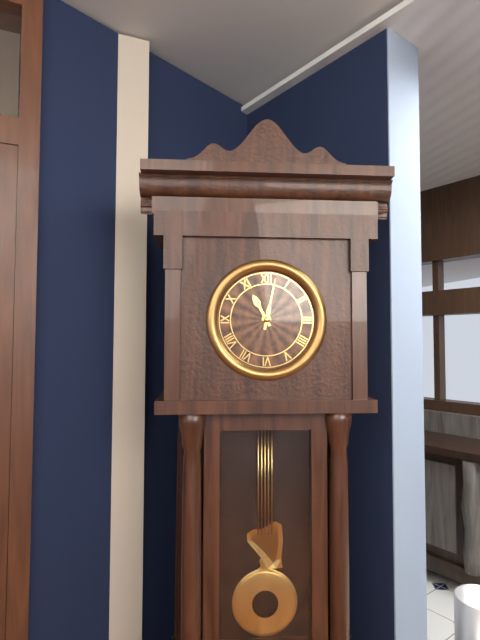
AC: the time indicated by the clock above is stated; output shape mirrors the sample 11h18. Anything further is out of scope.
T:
11h02
